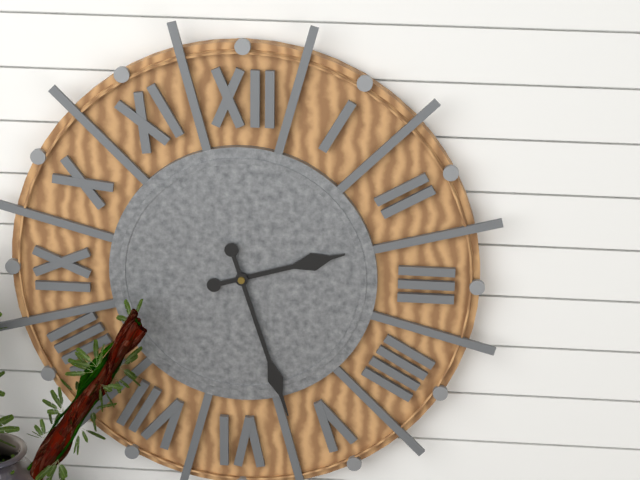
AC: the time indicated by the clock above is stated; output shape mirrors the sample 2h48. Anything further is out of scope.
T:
2h27
